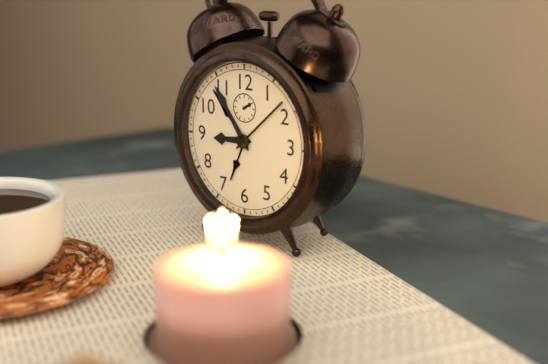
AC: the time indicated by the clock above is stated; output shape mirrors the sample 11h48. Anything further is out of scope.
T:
8h54
